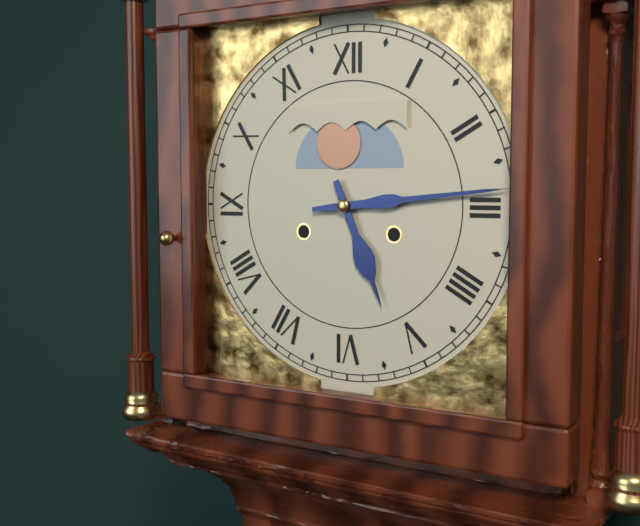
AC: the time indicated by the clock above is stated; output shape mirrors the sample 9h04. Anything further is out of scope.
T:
5h14
